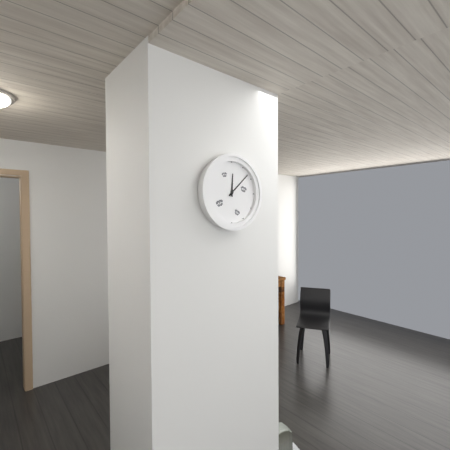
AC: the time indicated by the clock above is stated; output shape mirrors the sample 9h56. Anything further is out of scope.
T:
12h08
